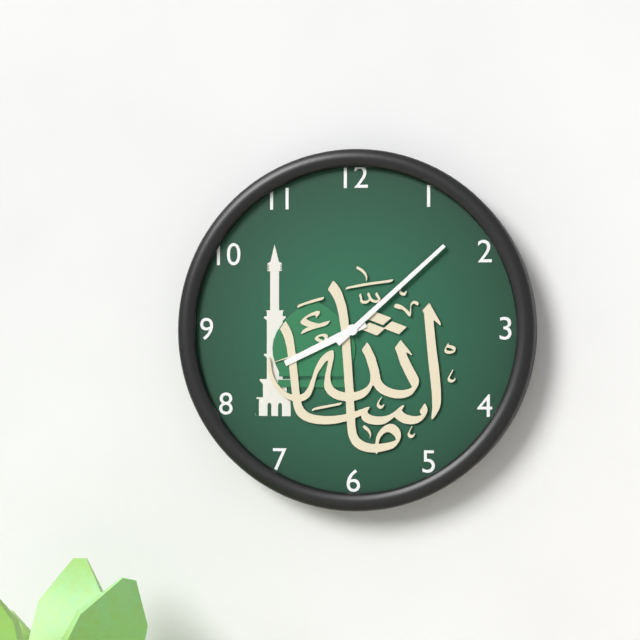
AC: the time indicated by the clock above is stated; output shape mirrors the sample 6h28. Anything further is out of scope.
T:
8h08
